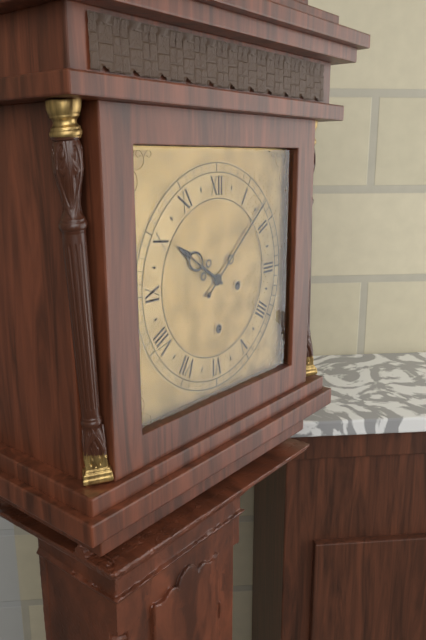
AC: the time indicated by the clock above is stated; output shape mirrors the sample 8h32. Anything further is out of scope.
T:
10h08
